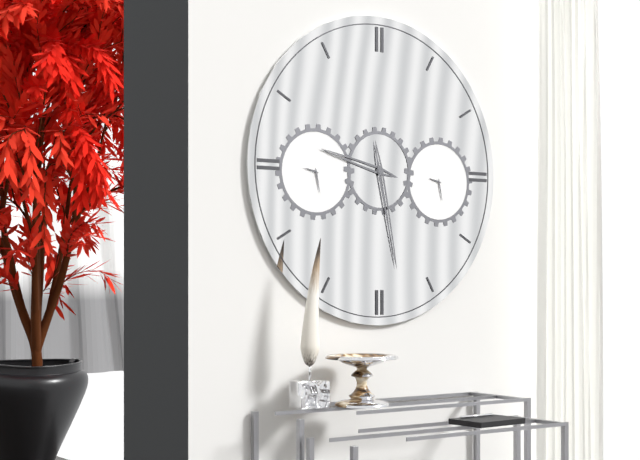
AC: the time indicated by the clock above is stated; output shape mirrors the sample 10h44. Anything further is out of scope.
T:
9h28
